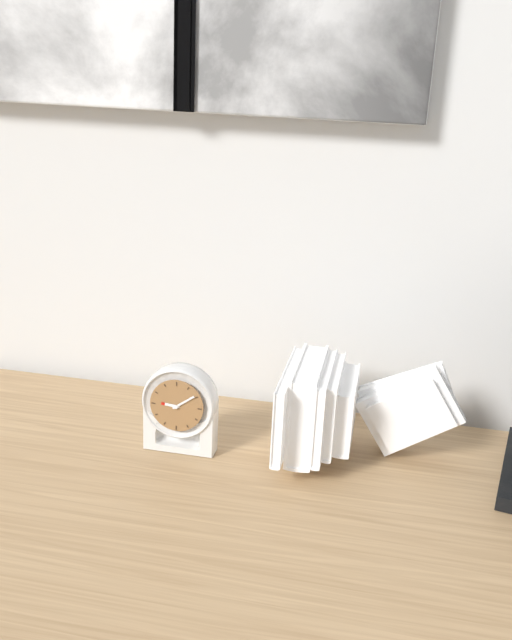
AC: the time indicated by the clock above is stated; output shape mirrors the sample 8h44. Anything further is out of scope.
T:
9h09
